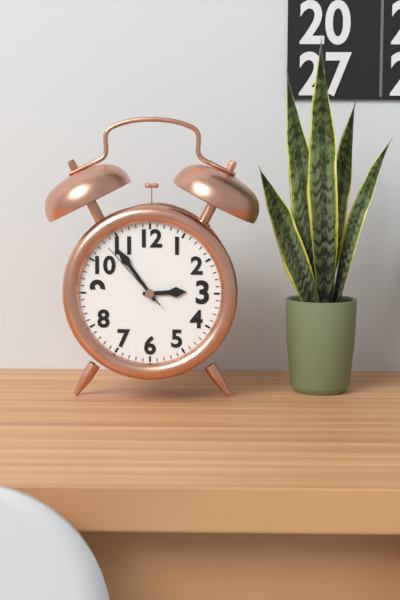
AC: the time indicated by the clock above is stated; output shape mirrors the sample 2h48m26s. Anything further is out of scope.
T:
2h54m53s
